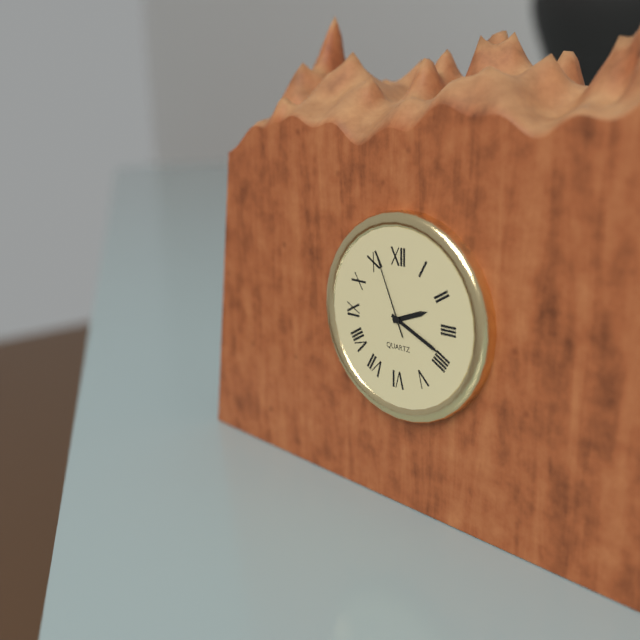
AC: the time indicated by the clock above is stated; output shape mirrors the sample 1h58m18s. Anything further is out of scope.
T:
2h19m56s
